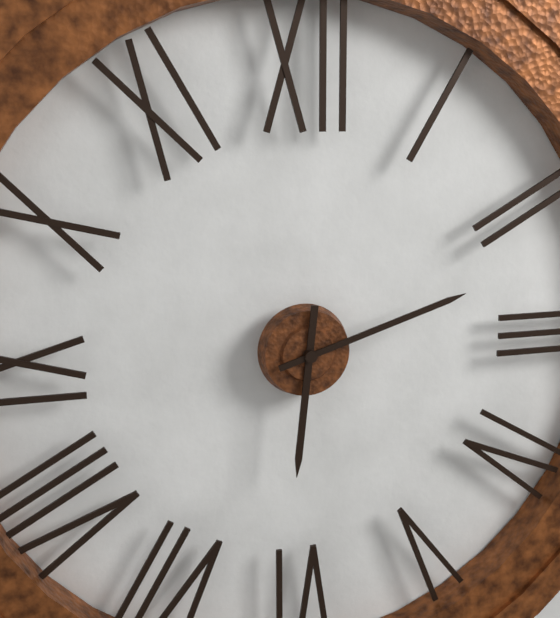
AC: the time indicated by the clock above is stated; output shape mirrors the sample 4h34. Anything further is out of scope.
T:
6h12
